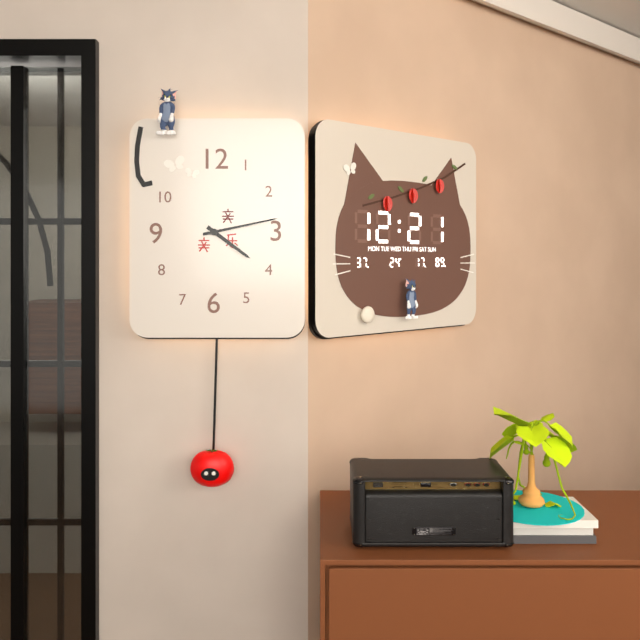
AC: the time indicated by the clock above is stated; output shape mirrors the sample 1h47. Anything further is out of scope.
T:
4h13
